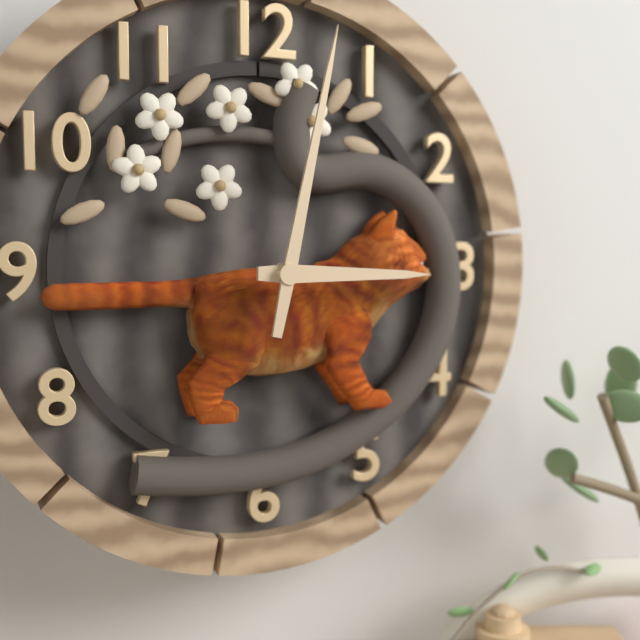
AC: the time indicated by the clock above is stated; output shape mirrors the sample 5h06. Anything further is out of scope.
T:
3h02
